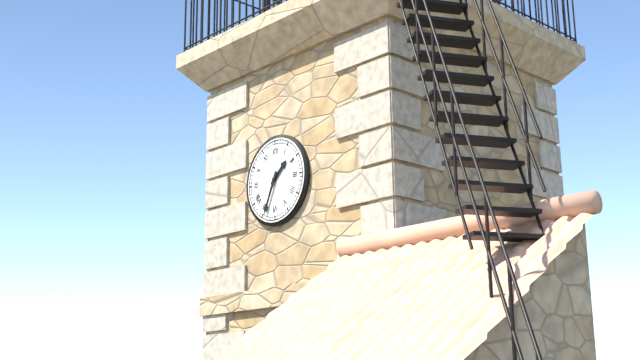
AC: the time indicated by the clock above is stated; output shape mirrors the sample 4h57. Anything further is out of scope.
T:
1h34
